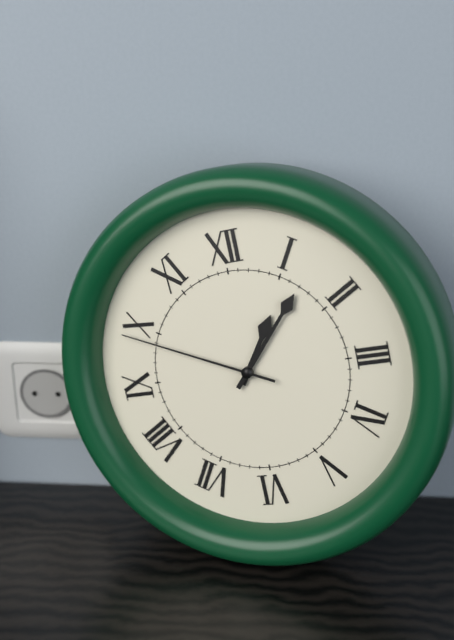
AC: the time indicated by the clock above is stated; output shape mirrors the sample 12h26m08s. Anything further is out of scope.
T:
1h07m49s
